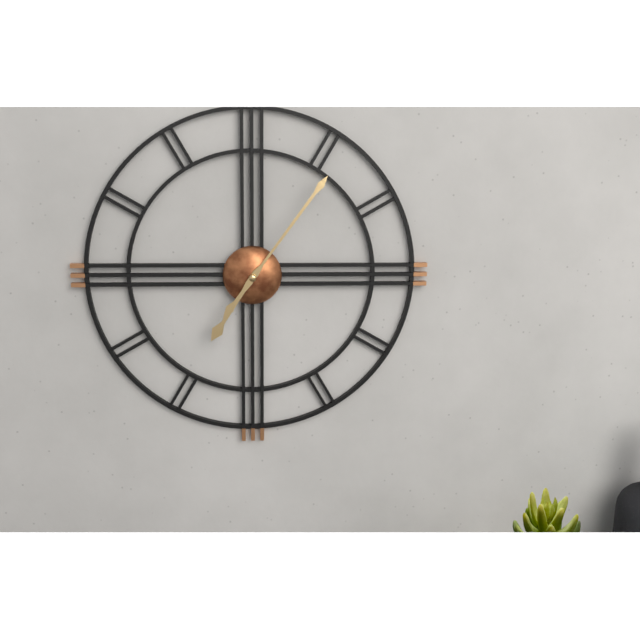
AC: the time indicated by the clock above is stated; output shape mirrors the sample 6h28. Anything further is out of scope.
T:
7h06
